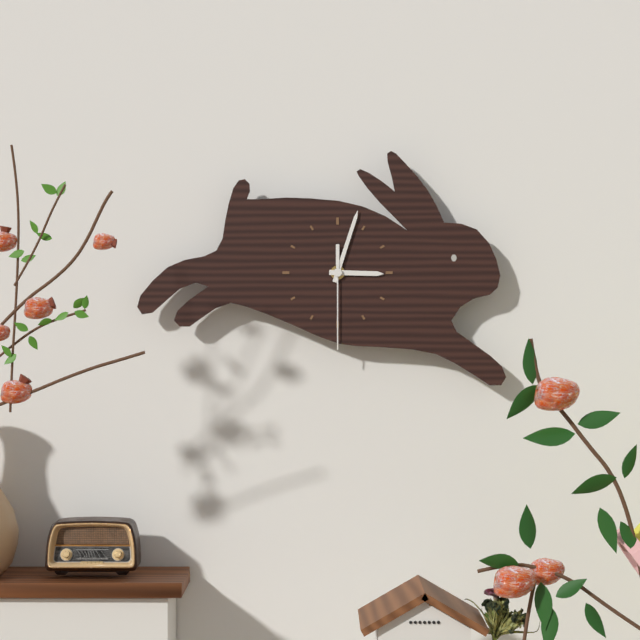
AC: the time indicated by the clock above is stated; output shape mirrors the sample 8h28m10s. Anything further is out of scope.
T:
3h03m30s
